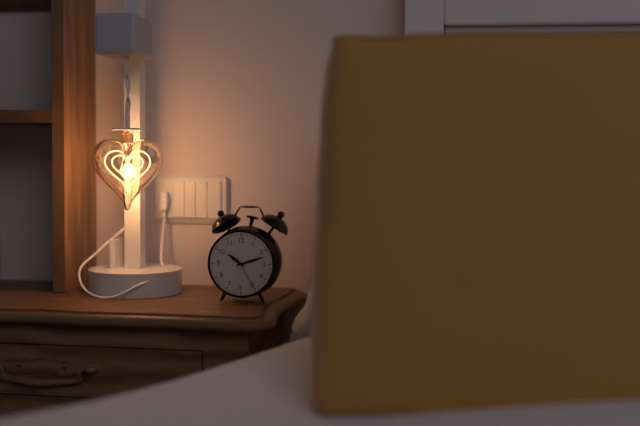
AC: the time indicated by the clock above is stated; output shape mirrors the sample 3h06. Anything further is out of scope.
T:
10h12
